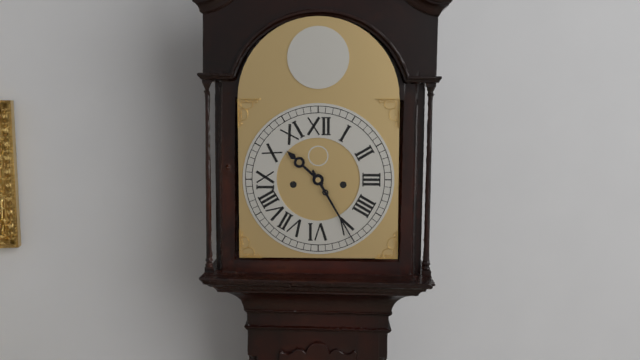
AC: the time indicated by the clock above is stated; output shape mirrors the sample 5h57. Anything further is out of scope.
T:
10h25
